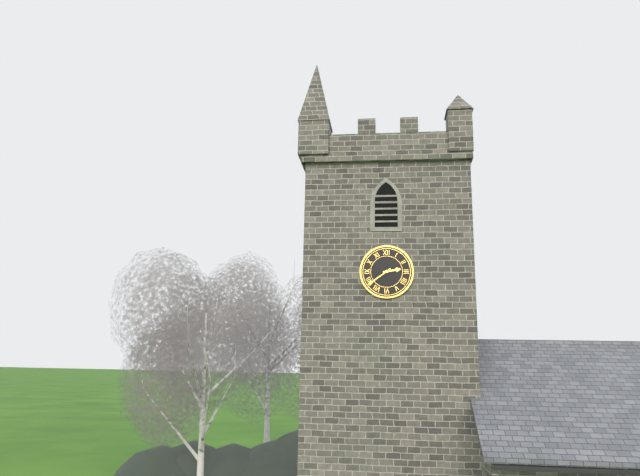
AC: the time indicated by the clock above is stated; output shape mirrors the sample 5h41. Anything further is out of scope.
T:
2h39
